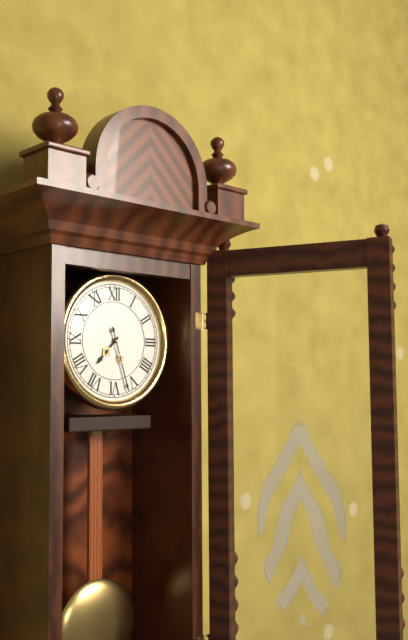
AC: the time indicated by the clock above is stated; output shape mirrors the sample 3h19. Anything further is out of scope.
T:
7h27
